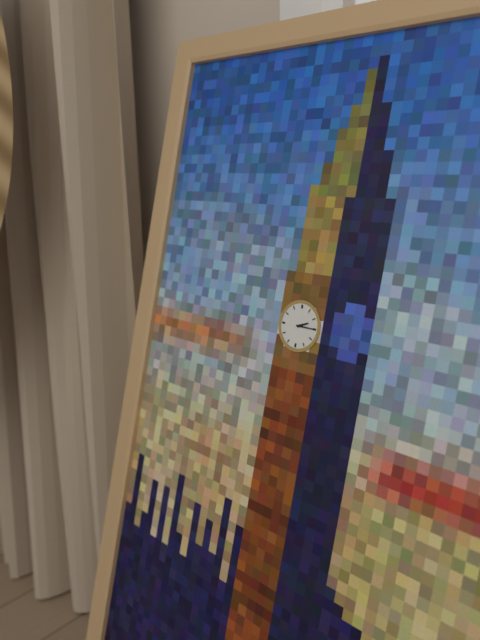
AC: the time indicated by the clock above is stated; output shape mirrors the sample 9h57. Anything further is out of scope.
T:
2h15
